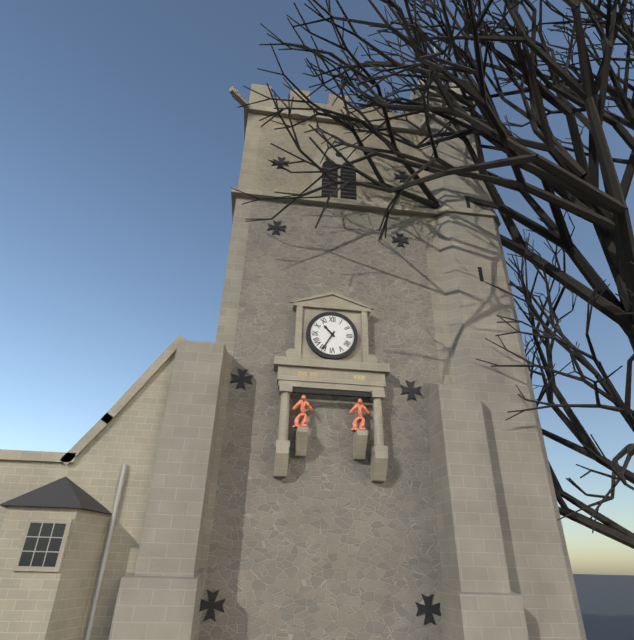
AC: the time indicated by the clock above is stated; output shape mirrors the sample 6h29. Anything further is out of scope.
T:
10h35
